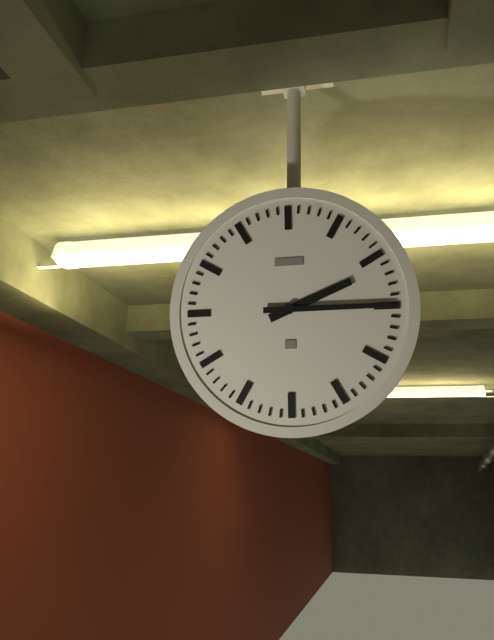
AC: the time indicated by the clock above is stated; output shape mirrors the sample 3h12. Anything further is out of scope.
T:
2h15
